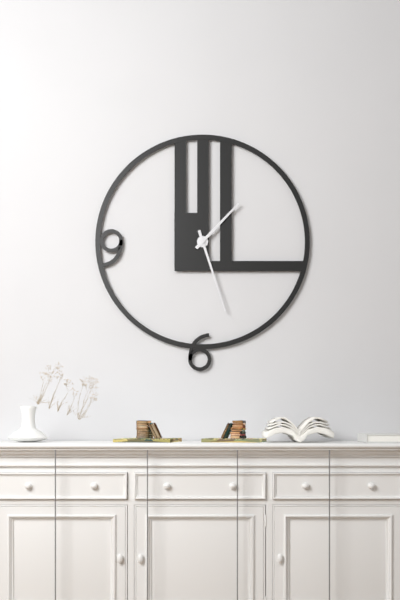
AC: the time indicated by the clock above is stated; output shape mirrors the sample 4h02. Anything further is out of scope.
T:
1h27
